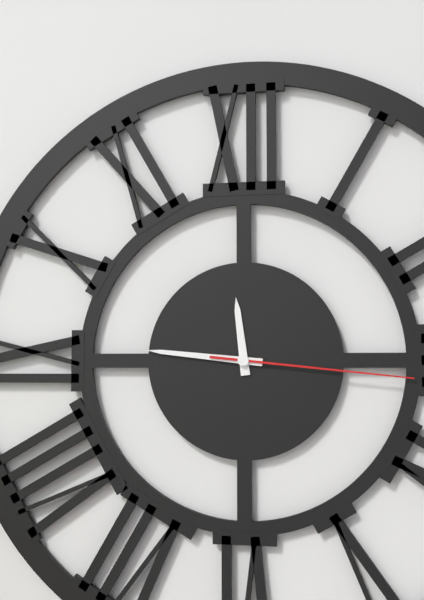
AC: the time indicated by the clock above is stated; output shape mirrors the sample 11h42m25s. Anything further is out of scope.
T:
11h46m16s
